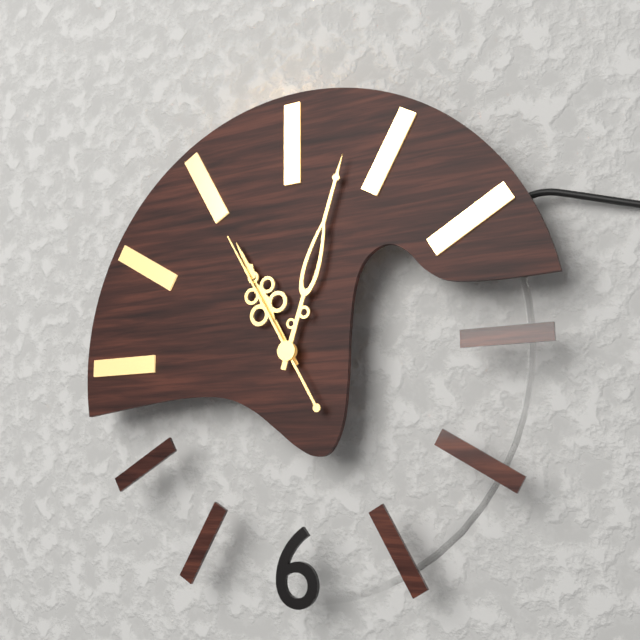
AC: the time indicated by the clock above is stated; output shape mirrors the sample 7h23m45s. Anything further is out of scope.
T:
11h03m55s
